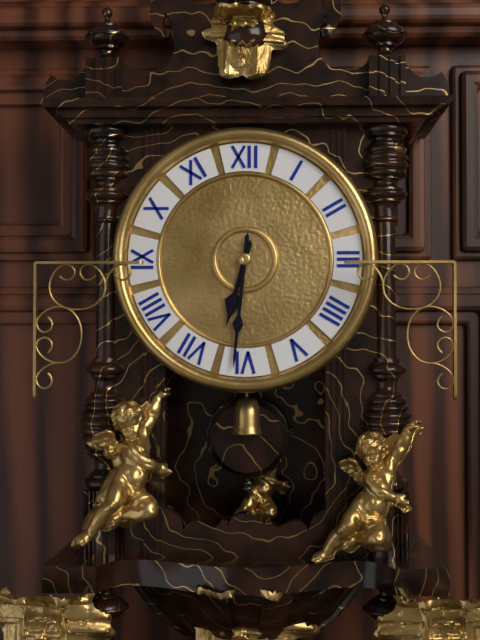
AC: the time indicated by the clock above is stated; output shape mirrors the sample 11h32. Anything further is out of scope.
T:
6h31
